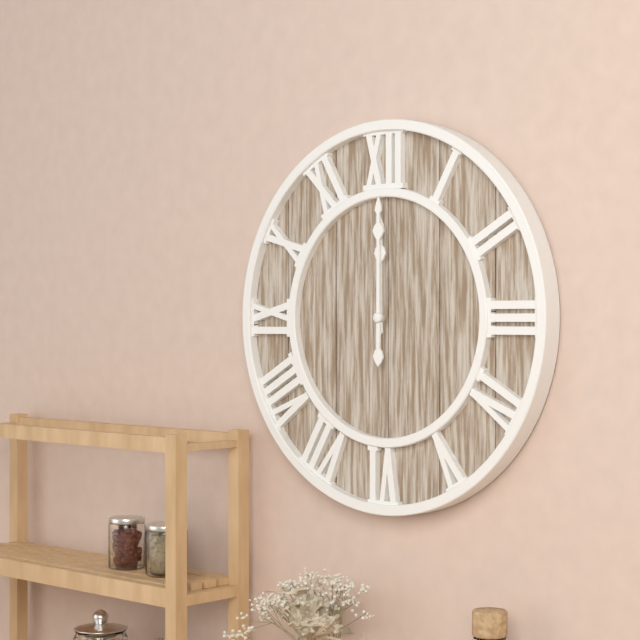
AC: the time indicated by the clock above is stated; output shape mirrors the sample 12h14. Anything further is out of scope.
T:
12h00
